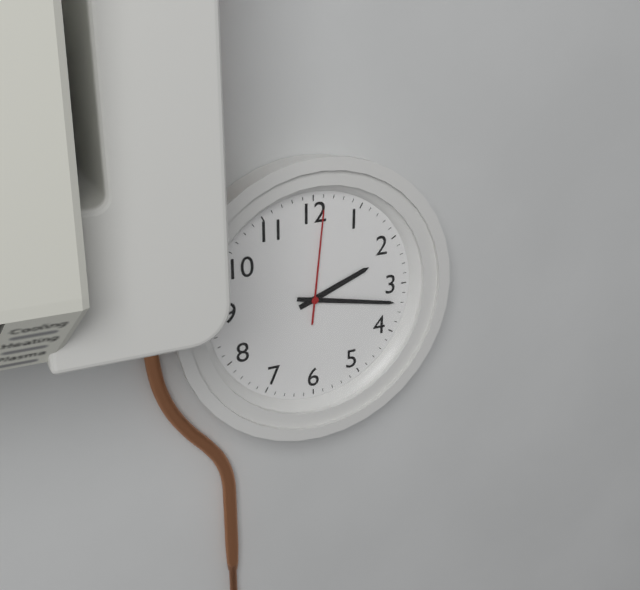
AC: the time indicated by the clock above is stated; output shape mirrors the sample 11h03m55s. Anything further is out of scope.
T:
2h17m01s
